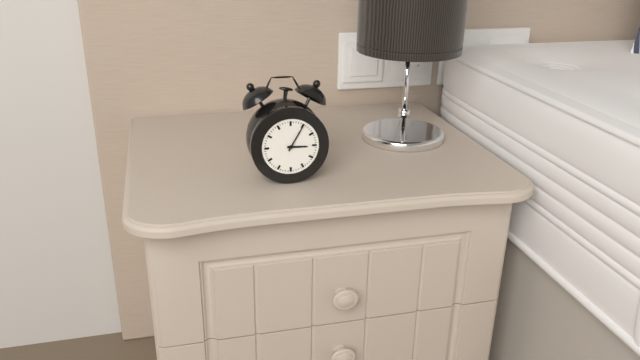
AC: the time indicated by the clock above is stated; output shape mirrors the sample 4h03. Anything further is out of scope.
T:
3h05
